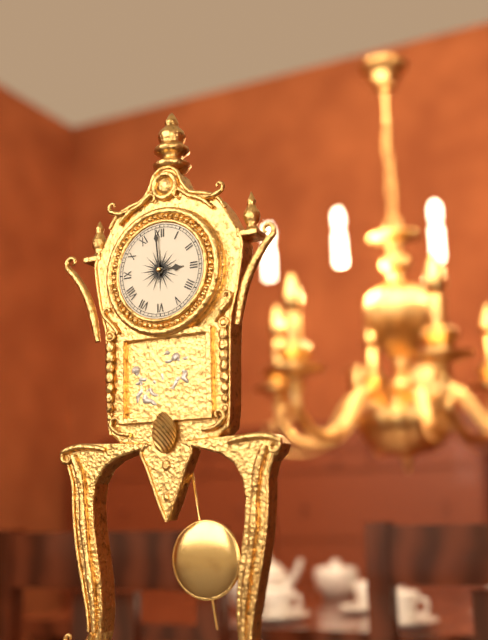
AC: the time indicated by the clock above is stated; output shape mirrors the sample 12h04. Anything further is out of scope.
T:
2h59
